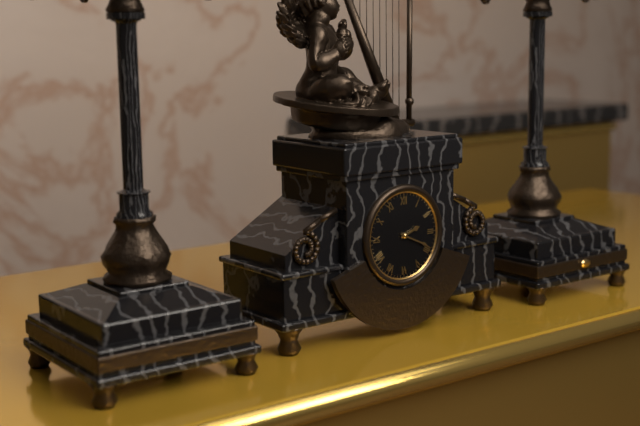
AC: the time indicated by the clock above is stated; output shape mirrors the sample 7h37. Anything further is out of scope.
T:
2h19
